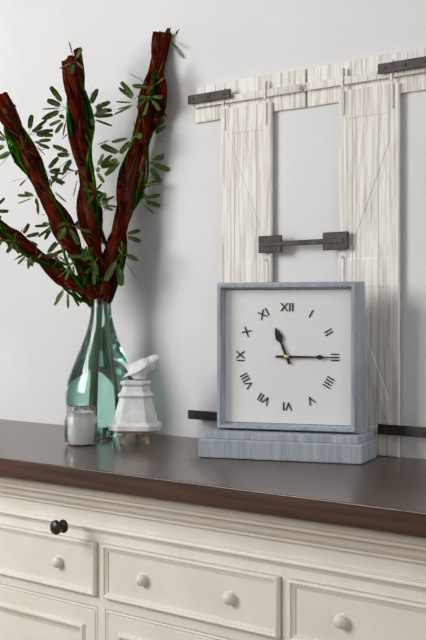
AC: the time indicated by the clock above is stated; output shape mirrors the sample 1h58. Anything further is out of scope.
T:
11h15
